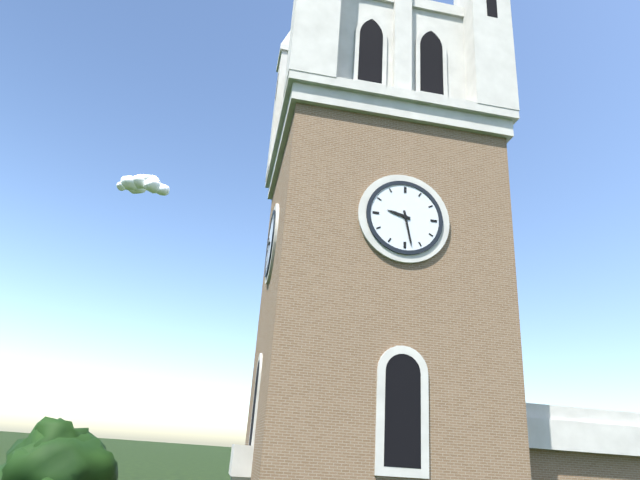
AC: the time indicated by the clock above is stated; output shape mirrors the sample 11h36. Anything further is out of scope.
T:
9h28
